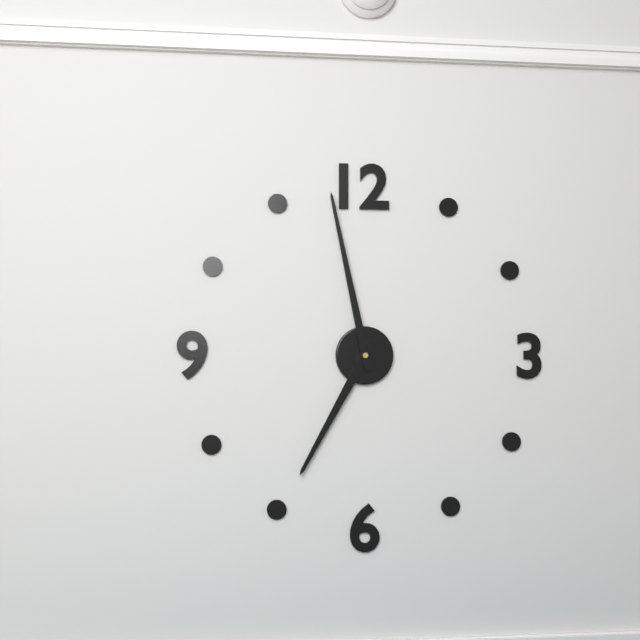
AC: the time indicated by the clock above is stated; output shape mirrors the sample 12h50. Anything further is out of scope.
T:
6h58
